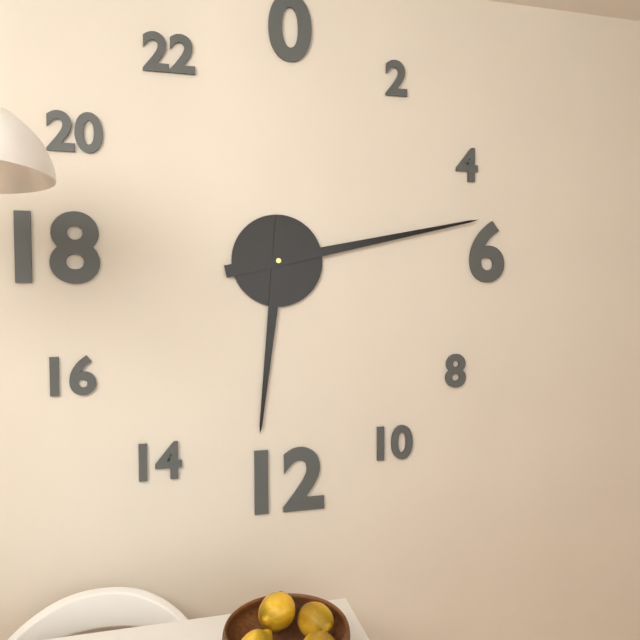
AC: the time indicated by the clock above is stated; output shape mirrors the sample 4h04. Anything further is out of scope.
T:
6h13
